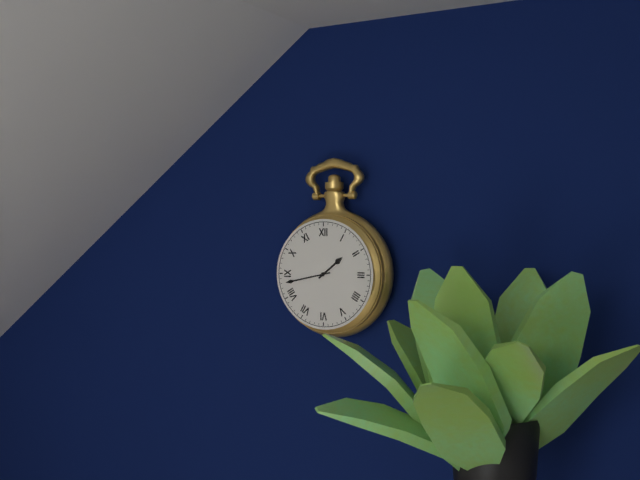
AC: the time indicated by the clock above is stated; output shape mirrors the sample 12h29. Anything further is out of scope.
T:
1h43
